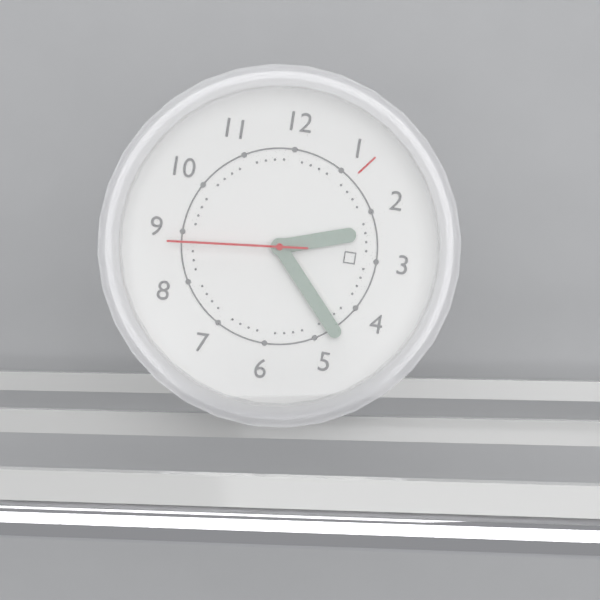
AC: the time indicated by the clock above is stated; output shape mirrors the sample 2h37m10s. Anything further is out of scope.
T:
2h23m44s
